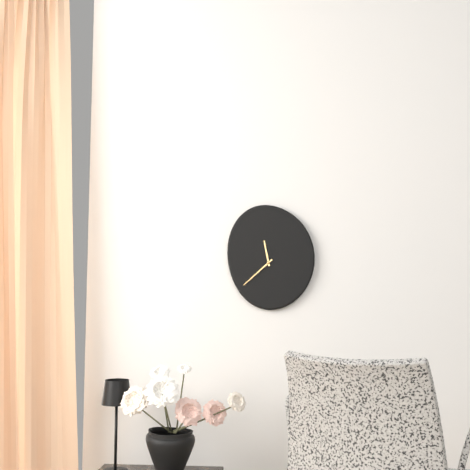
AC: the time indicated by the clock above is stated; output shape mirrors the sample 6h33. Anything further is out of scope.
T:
11h38
